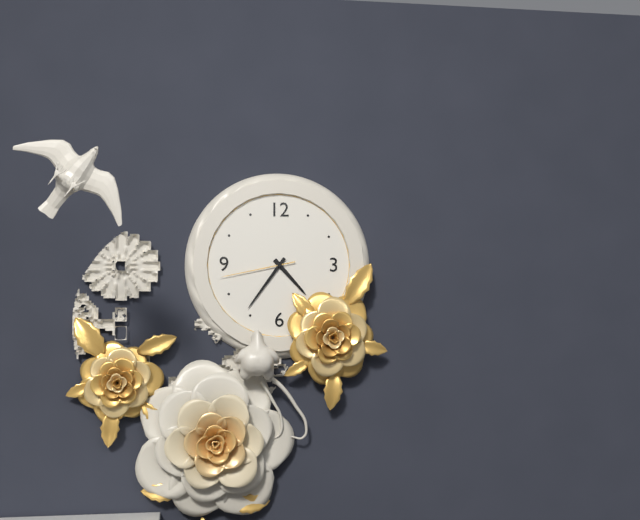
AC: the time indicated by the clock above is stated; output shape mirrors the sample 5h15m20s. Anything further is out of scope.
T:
4h36m43s
